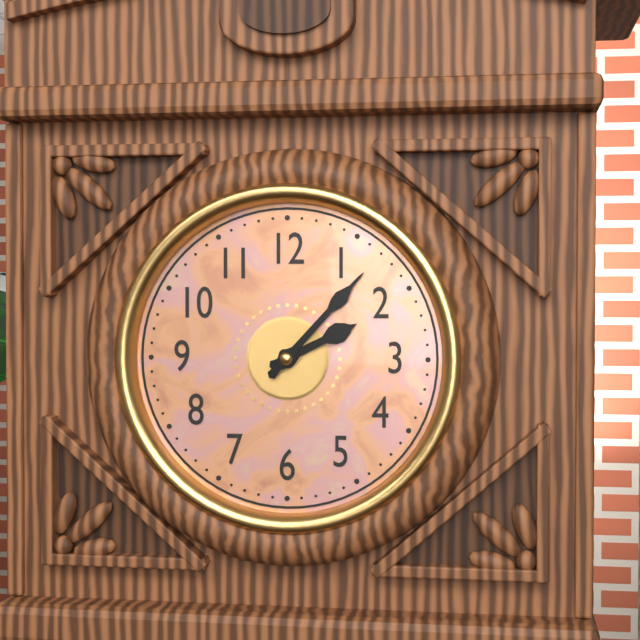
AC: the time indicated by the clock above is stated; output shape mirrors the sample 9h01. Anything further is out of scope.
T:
2h07
